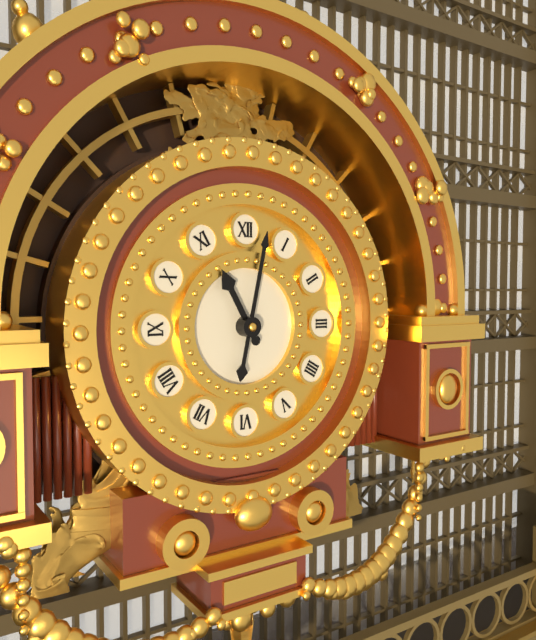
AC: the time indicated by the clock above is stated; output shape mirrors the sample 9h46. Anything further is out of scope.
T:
11h02
